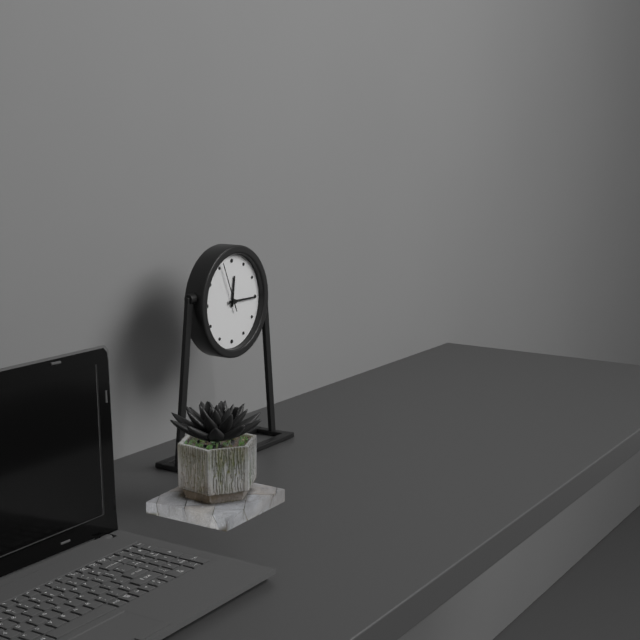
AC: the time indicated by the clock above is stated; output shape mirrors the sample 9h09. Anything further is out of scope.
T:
12h15
